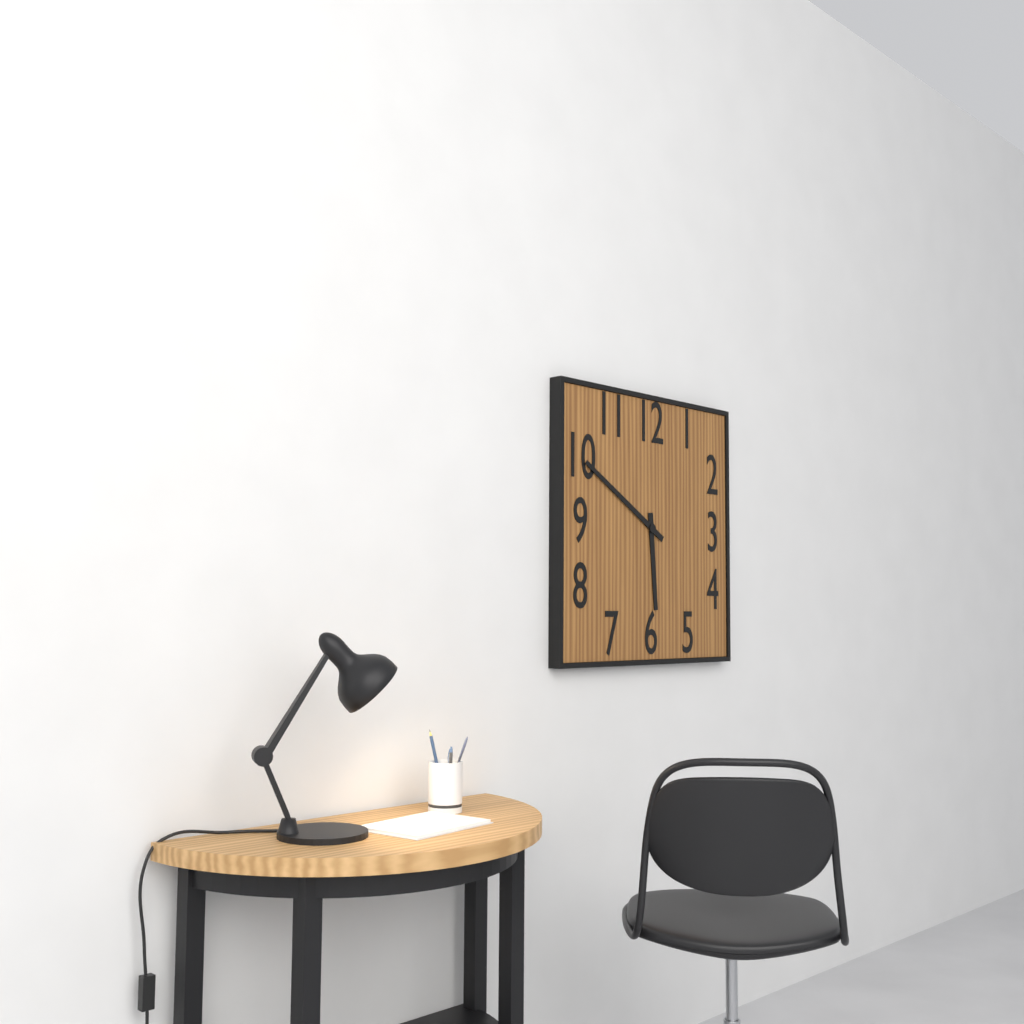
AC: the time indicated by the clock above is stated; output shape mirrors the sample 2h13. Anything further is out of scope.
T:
5h50
